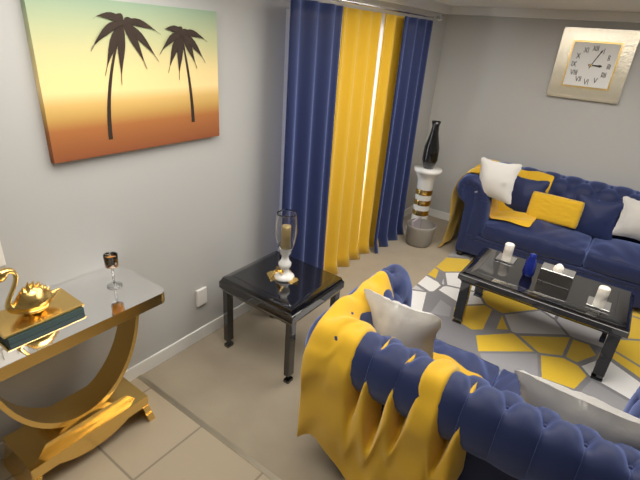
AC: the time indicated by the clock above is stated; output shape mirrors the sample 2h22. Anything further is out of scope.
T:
3h04
